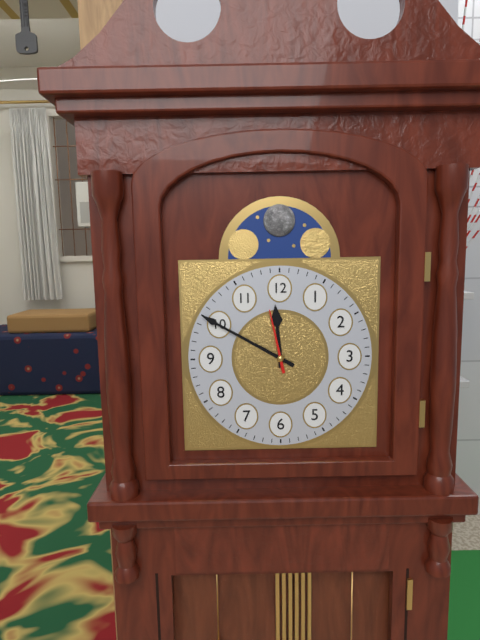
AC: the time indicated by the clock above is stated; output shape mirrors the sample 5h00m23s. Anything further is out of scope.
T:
11h50m58s
